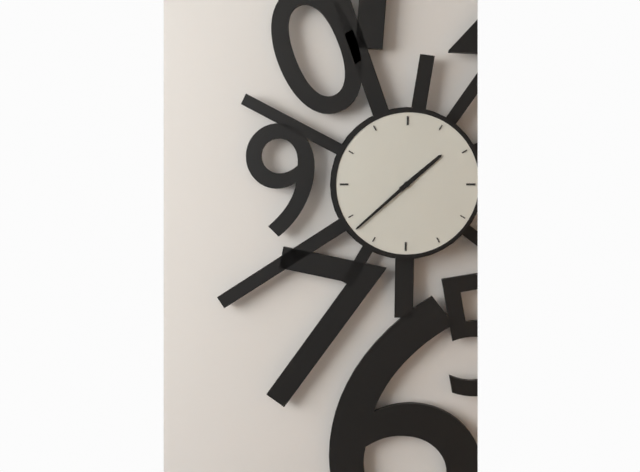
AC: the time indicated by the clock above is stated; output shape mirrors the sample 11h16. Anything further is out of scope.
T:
1h38
